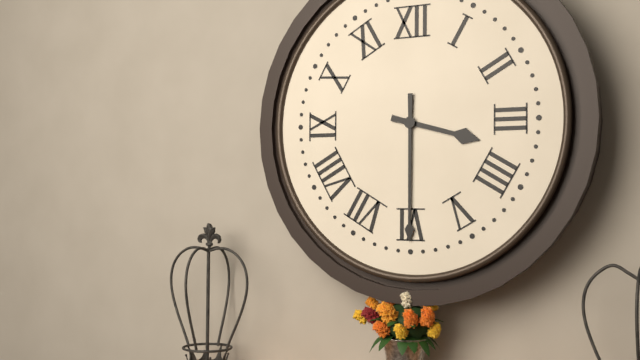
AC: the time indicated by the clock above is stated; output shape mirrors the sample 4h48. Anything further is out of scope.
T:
3h30
